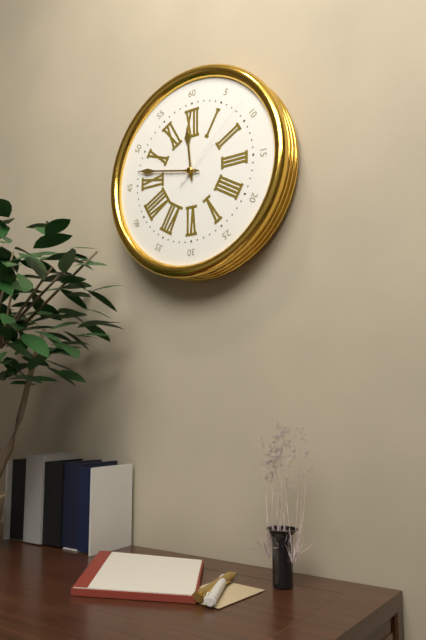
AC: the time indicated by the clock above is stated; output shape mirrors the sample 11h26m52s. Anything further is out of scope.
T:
11h47m08s
